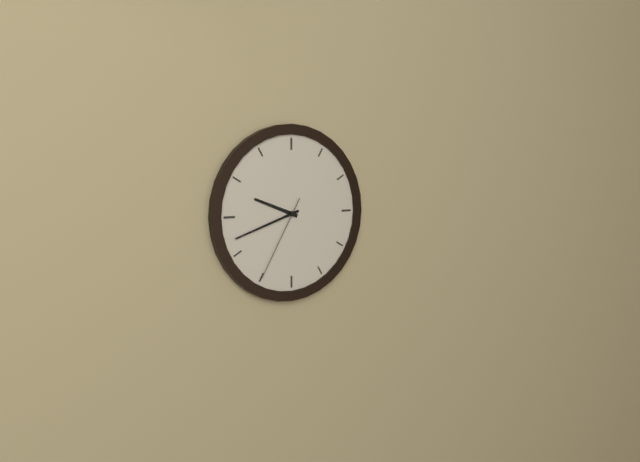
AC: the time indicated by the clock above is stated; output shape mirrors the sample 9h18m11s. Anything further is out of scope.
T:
9h42m35s
